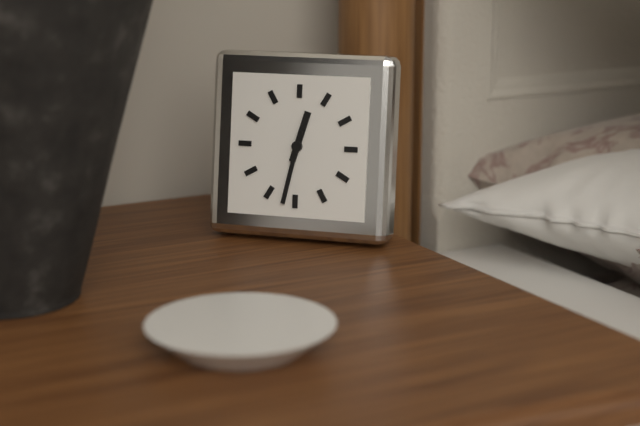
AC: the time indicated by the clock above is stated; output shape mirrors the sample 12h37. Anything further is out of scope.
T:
12h32
